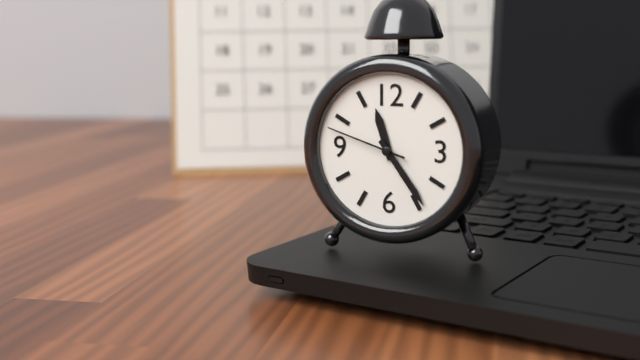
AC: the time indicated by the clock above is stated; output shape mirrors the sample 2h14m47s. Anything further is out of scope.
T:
11h24m48s
